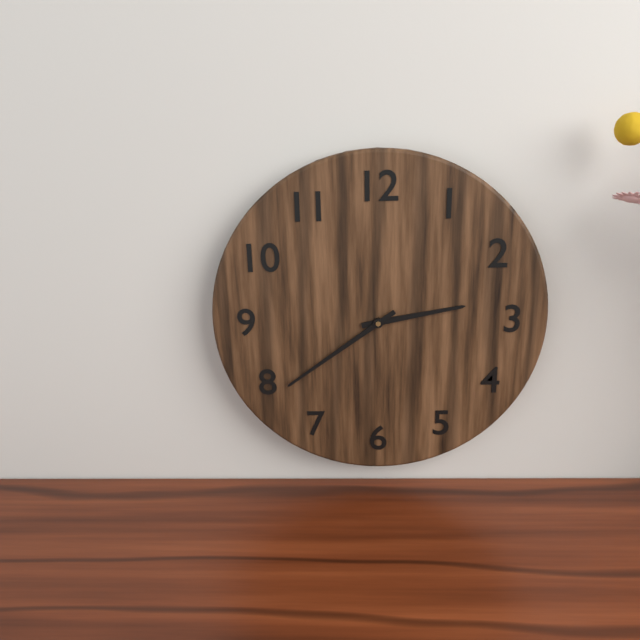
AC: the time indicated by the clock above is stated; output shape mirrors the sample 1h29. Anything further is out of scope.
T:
2h39
